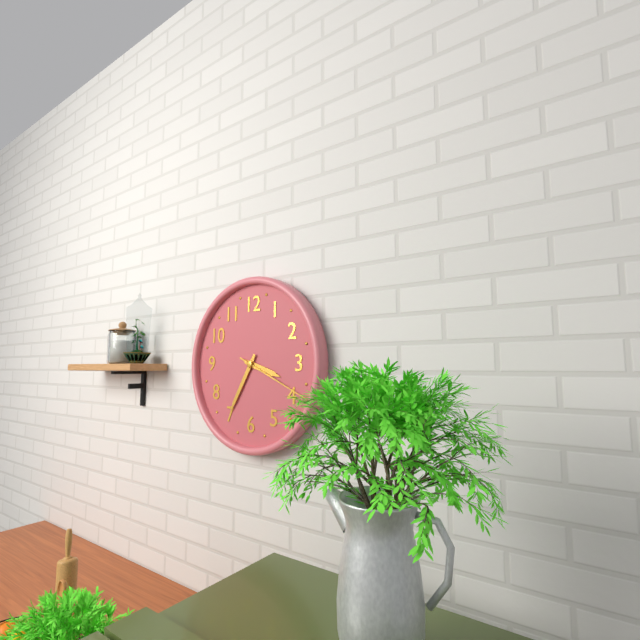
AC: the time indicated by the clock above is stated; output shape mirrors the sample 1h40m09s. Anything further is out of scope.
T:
3h35m19s
